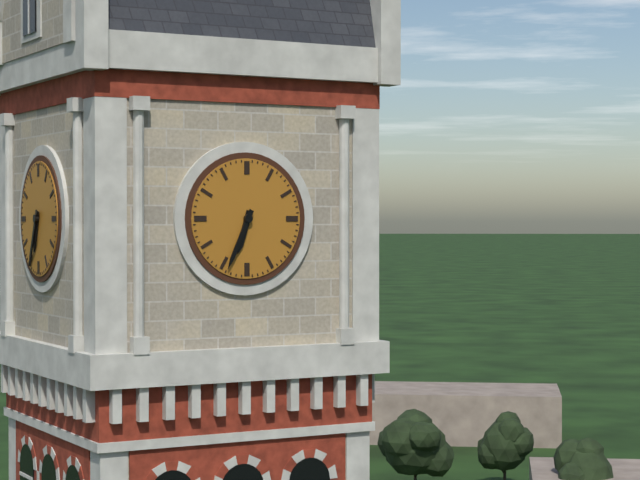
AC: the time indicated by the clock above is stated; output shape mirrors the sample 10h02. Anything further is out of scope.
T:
6h34
